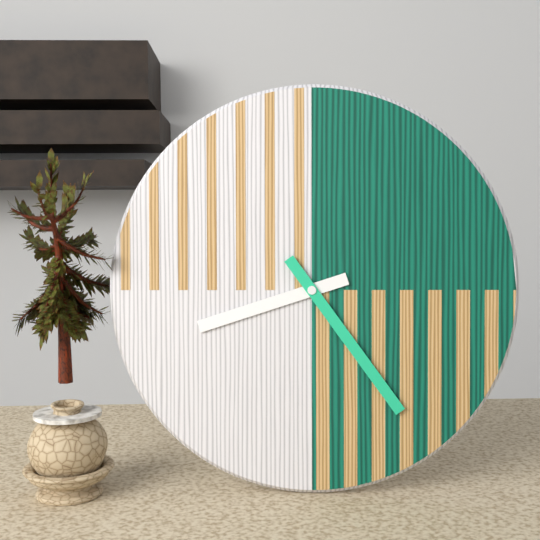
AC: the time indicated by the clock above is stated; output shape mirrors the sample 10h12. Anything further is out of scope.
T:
8h24
